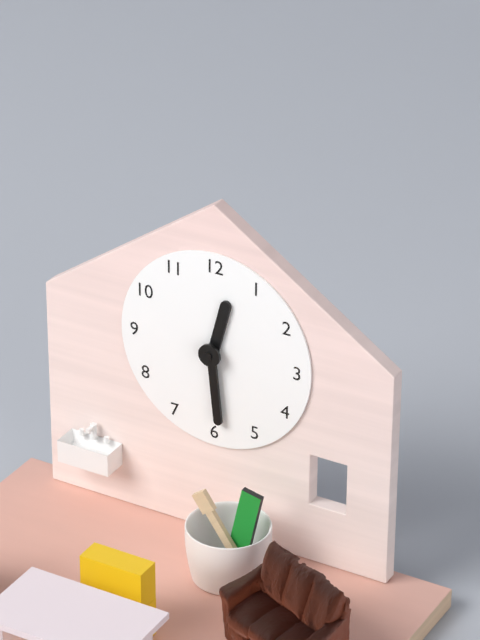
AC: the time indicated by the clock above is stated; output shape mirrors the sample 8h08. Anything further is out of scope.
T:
12h29
